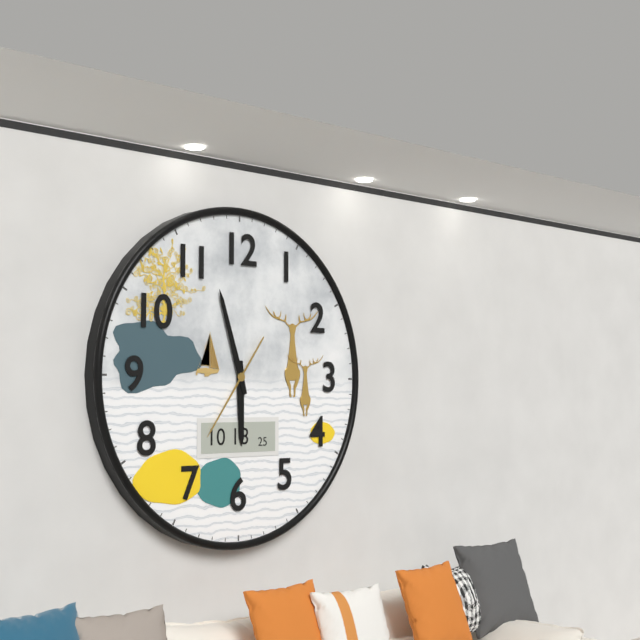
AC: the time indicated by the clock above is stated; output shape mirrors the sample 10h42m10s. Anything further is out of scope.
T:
5h57m36s
